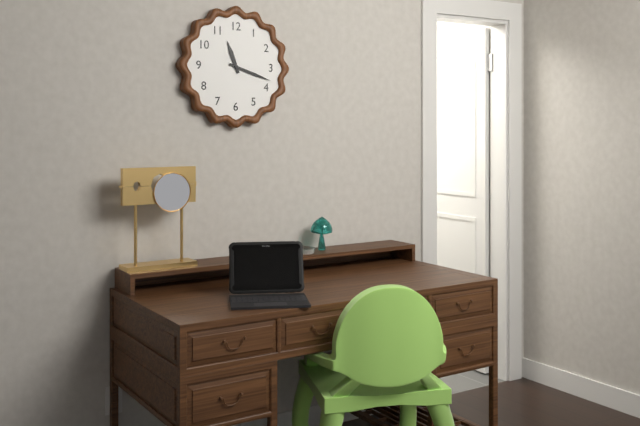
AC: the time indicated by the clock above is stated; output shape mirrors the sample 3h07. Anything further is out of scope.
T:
11h18
